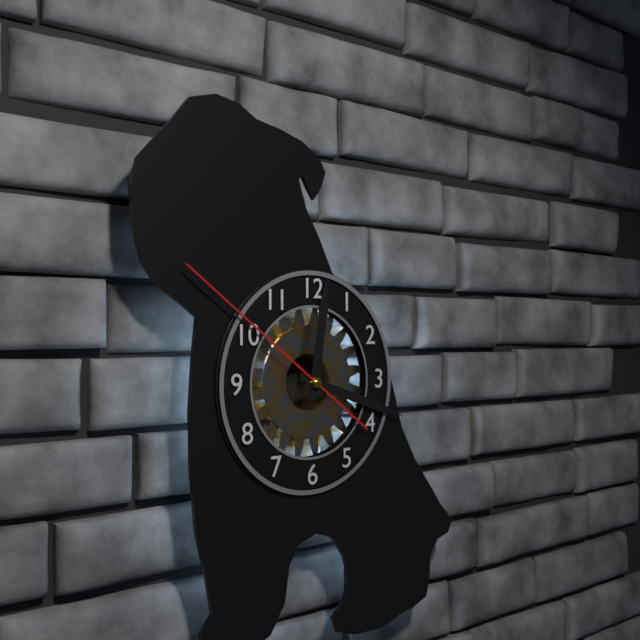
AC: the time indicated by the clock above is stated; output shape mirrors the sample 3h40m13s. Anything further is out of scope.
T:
12h18m51s
